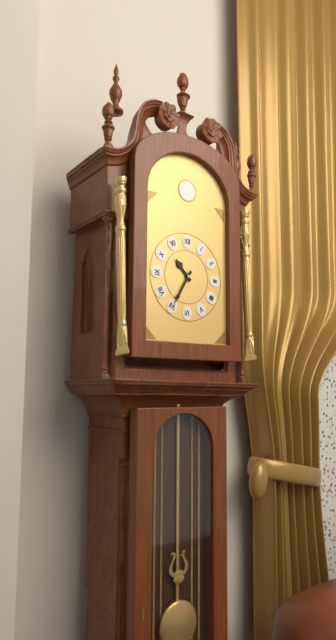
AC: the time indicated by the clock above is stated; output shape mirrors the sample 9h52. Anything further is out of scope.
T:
10h35
